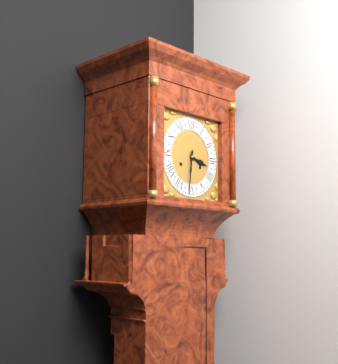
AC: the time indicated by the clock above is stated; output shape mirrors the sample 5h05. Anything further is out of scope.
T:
3h31
